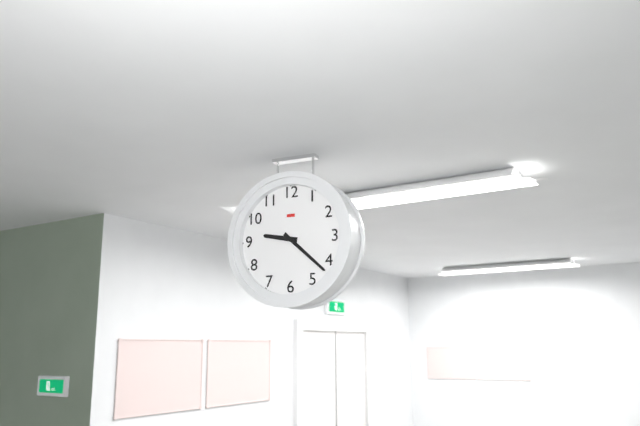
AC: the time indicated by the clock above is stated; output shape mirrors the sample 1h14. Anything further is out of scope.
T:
9h22
